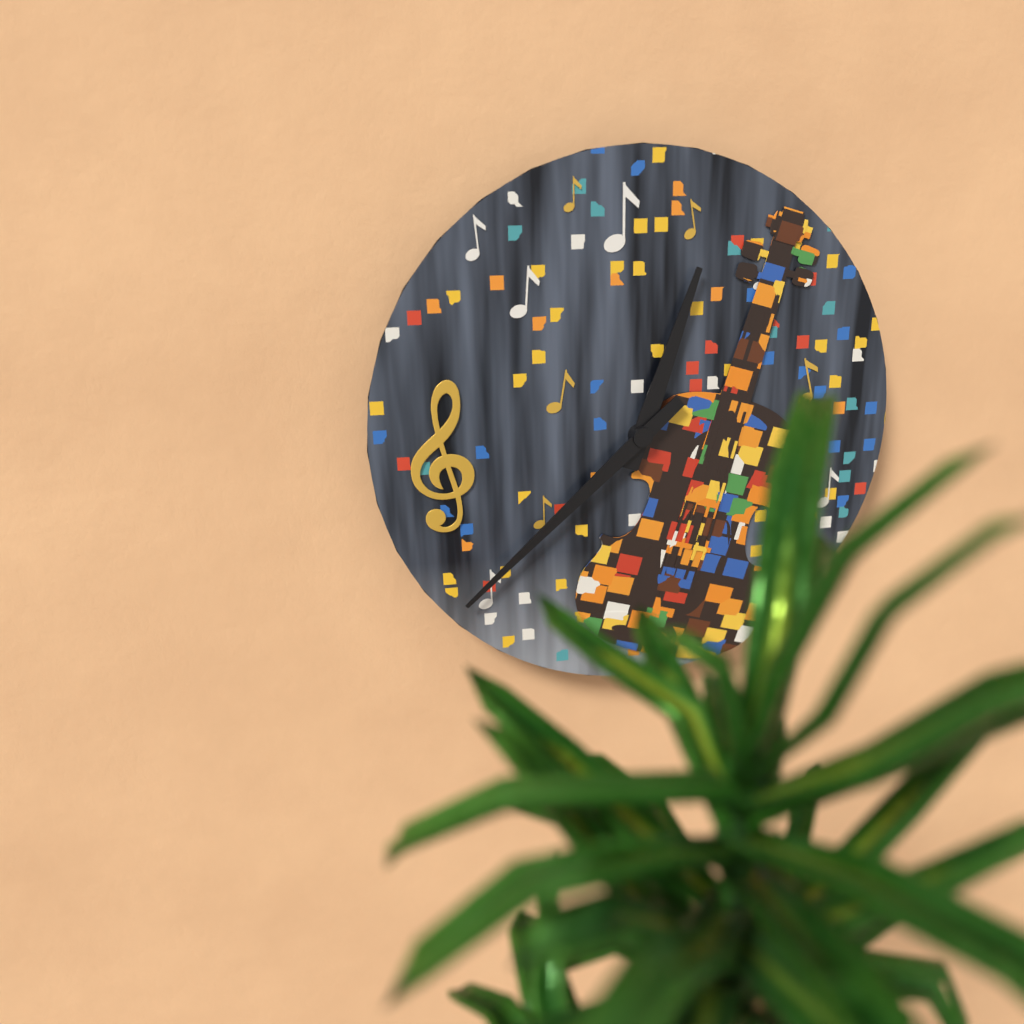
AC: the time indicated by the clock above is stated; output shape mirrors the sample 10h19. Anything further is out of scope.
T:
12h38
